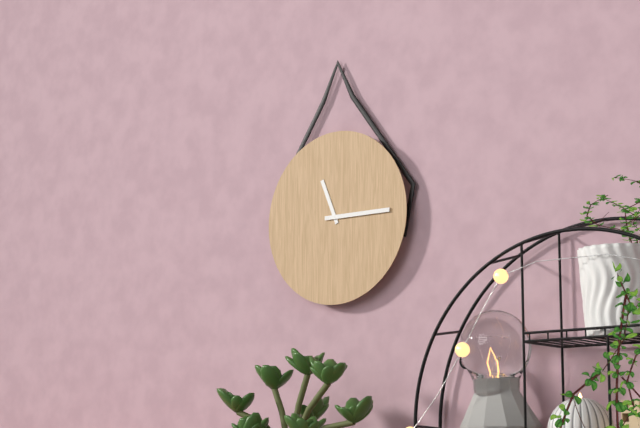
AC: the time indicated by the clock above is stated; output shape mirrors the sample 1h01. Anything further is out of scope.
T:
11h15
